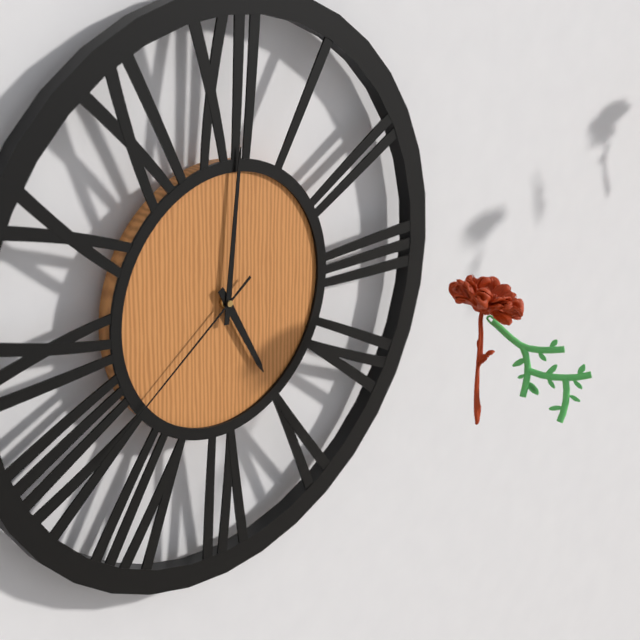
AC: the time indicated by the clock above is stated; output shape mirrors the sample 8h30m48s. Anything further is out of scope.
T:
5h01m39s
